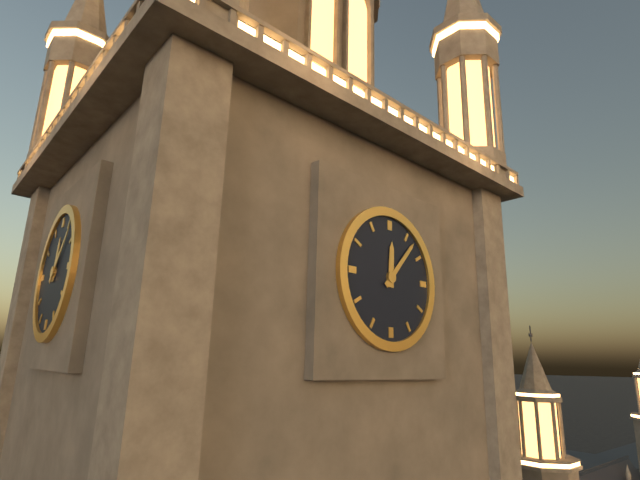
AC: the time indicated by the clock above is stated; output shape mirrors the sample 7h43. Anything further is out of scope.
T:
12h07
